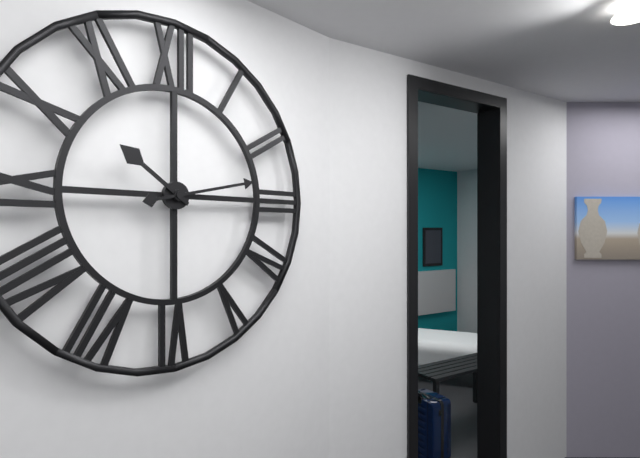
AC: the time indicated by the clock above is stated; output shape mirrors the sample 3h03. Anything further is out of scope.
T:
10h13
